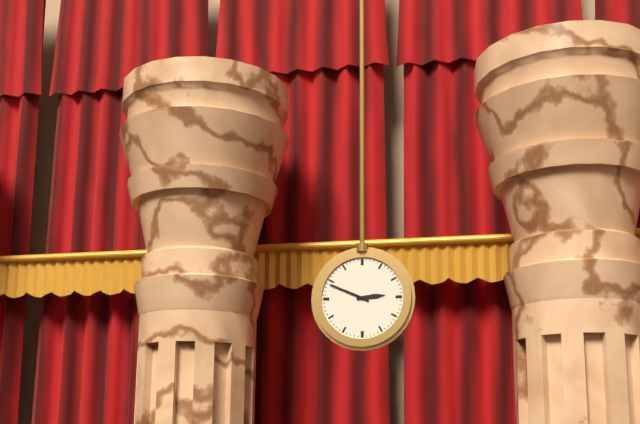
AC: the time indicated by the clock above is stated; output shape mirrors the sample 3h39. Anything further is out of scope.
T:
2h49
